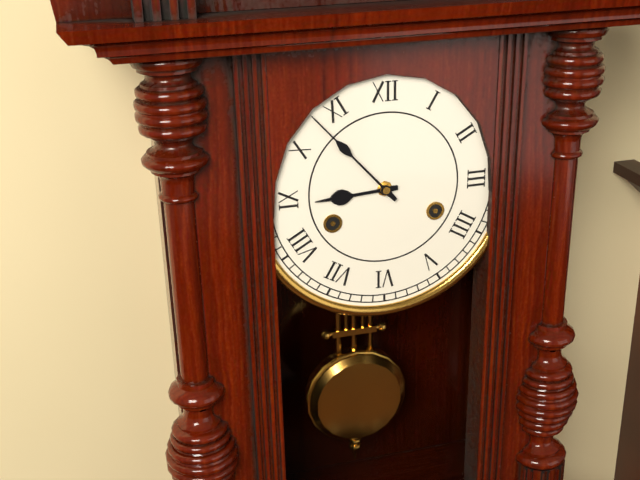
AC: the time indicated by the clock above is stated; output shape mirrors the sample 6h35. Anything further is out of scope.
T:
8h53
